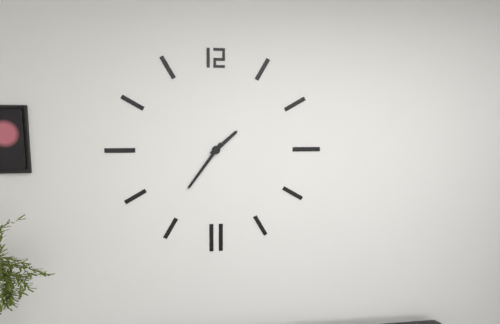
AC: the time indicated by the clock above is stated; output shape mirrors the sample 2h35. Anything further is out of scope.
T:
1h36
